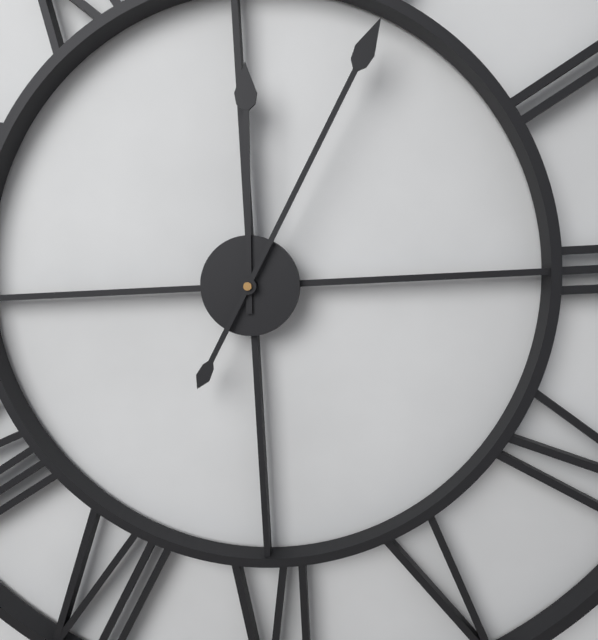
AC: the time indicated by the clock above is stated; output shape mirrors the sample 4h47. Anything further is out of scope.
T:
12h05
